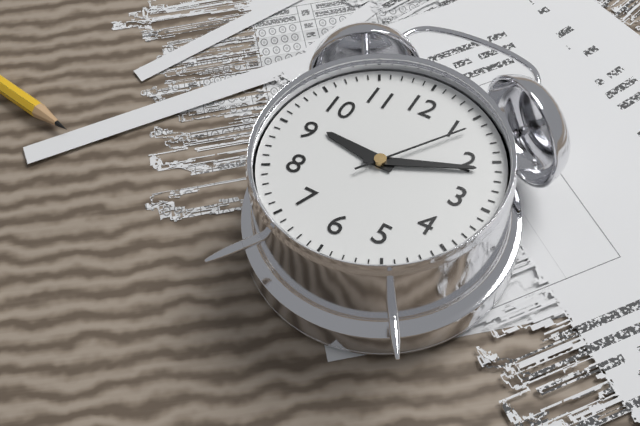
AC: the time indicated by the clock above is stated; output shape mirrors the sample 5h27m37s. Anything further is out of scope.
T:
9h11m06s
